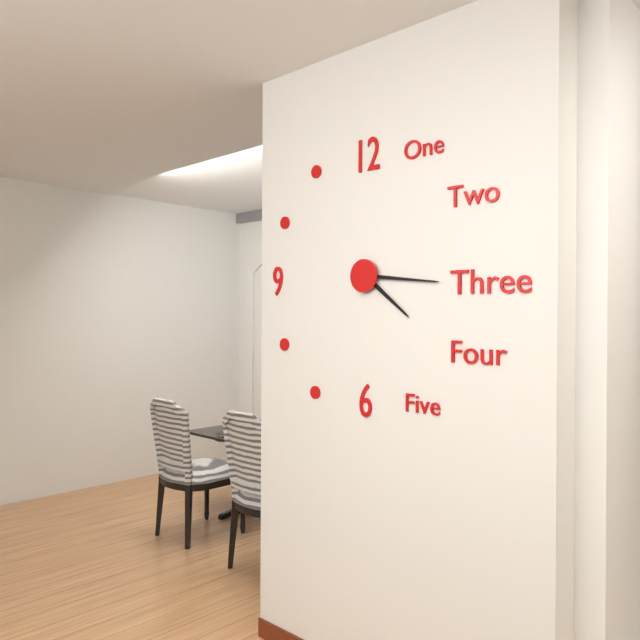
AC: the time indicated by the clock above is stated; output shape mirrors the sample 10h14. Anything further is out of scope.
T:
4h16
